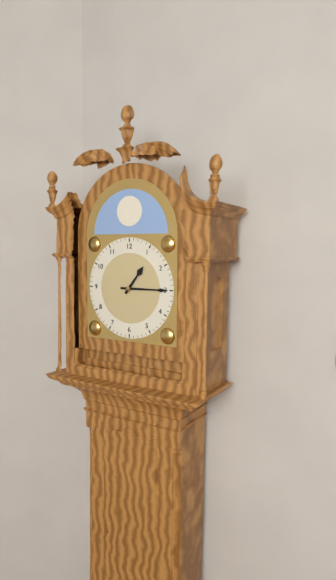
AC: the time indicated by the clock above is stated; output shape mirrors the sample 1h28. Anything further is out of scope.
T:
1h15
